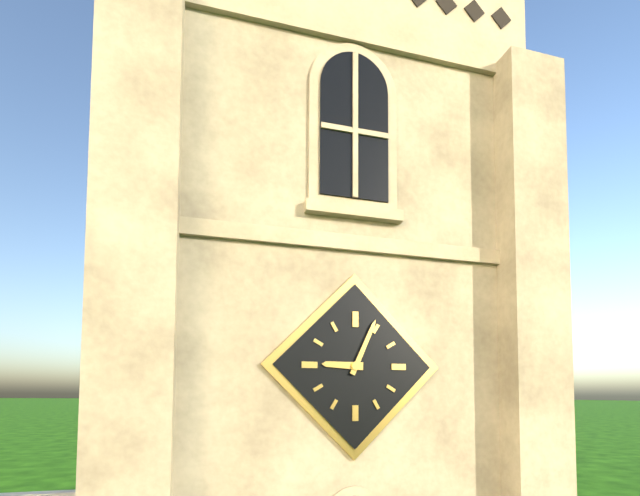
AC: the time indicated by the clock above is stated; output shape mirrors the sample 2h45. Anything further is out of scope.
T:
9h04
